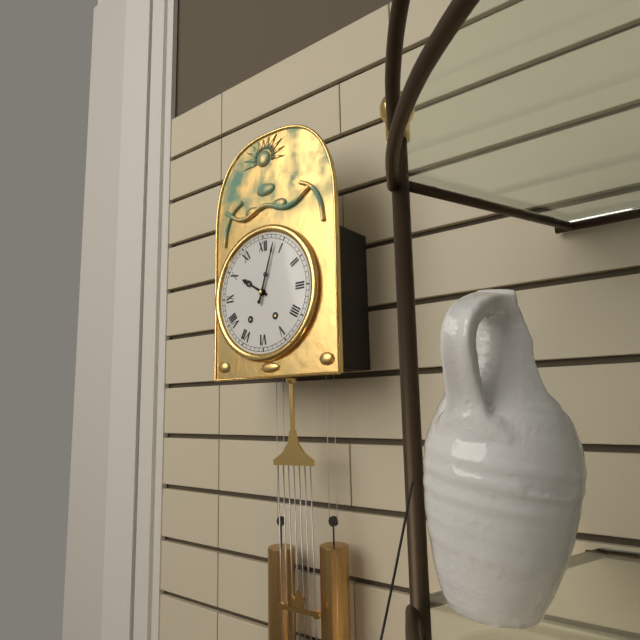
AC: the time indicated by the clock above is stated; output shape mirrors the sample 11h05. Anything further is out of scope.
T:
10h03
